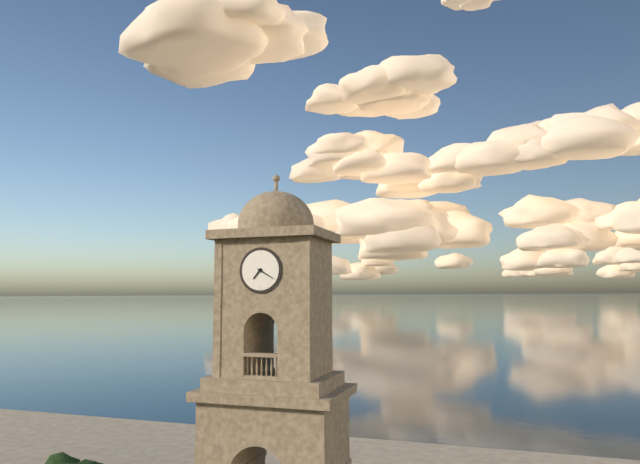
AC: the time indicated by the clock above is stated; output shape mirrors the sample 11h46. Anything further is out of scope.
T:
7h20
